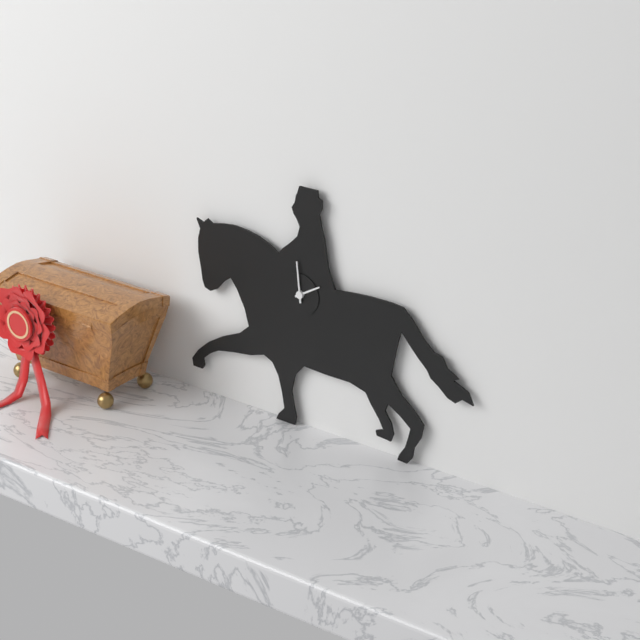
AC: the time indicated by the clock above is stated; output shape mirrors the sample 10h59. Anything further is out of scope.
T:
1h59
